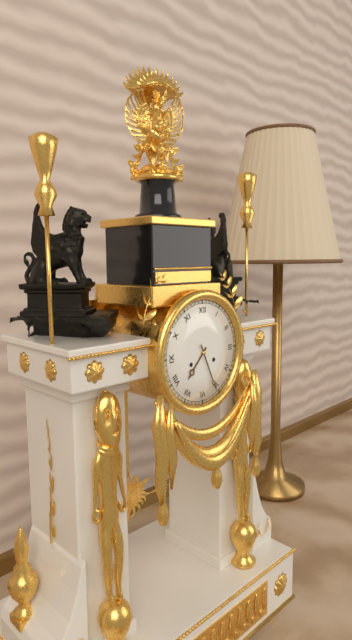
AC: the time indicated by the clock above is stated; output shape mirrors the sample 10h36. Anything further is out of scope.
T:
7h26
